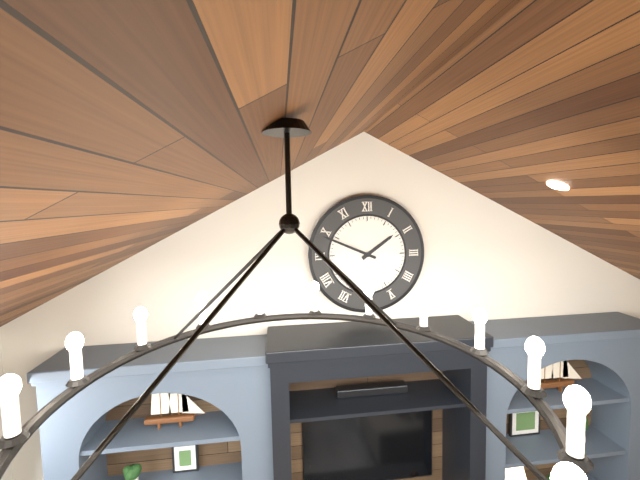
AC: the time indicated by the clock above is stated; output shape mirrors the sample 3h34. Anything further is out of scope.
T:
1h49
